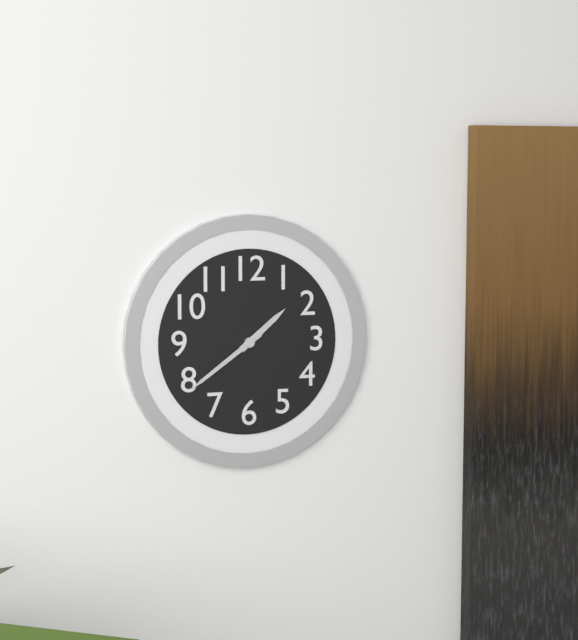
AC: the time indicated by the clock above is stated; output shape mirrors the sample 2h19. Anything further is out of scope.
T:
1h39
